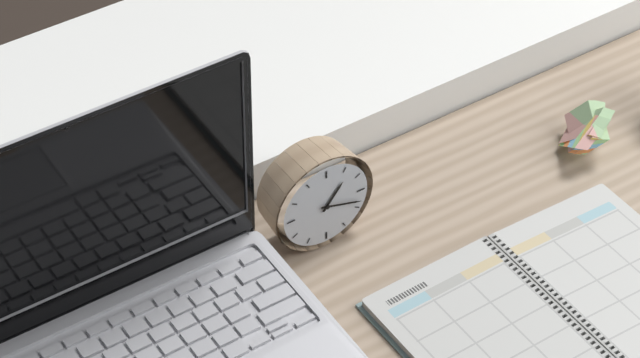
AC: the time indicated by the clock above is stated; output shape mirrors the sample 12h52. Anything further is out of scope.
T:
1h18
